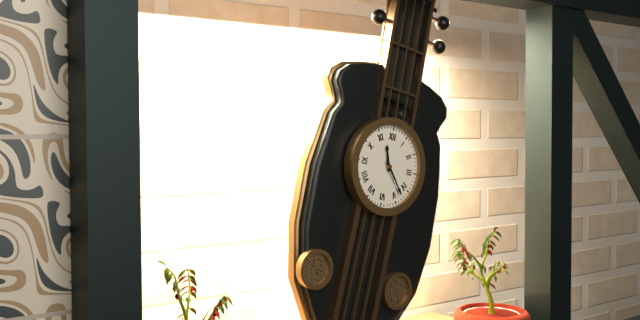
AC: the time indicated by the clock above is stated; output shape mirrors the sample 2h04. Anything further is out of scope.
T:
11h23
